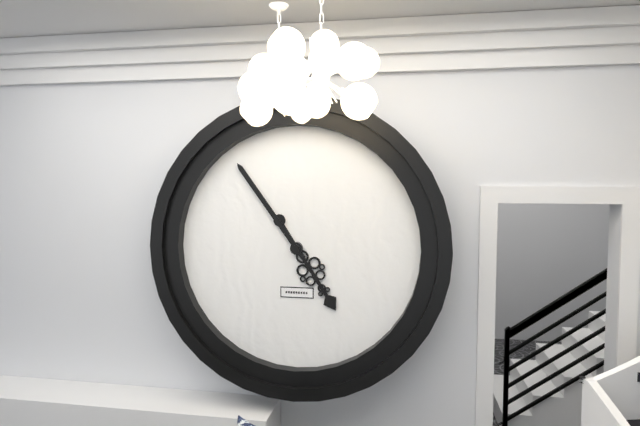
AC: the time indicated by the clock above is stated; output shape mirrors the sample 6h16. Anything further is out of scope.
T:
4h54
